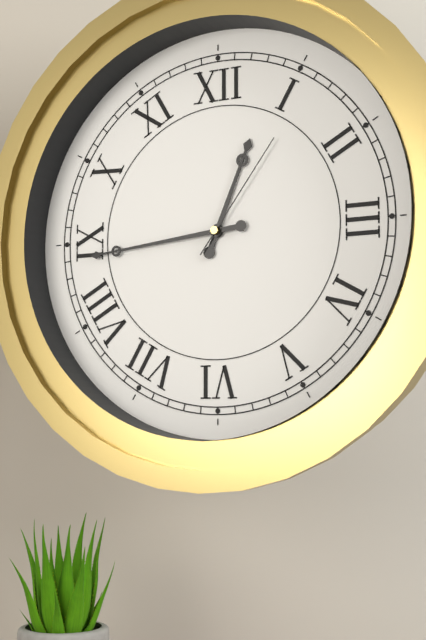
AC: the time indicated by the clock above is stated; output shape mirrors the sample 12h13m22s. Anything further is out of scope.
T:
12h44m06s
